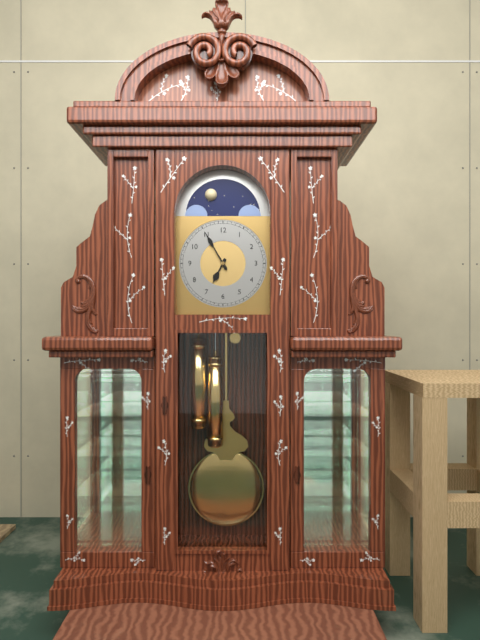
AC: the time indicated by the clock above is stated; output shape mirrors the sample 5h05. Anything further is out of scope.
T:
6h55
